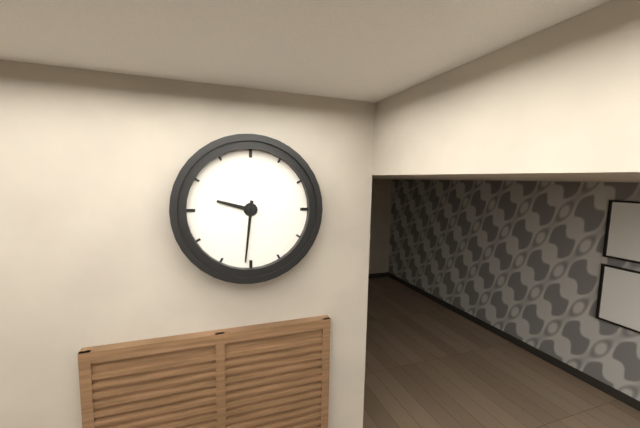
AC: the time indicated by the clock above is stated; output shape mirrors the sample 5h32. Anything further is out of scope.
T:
9h31
